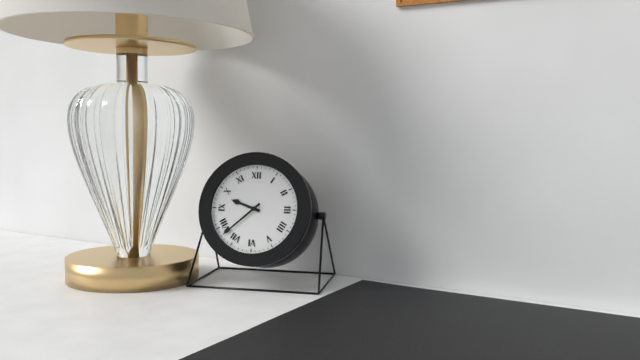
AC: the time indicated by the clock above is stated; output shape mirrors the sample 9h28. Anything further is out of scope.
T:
9h38
